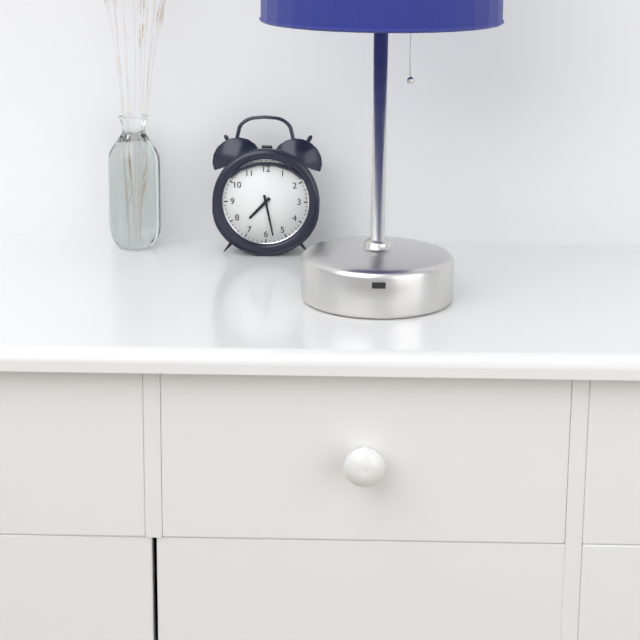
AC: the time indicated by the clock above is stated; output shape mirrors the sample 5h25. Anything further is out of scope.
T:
7h28
